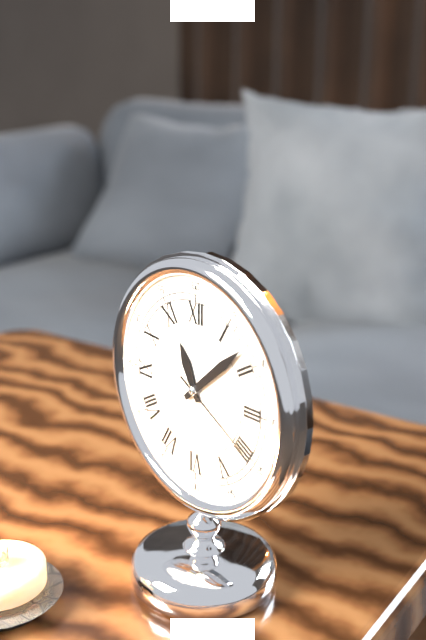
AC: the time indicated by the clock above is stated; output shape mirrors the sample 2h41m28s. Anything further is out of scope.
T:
11h08m20s
